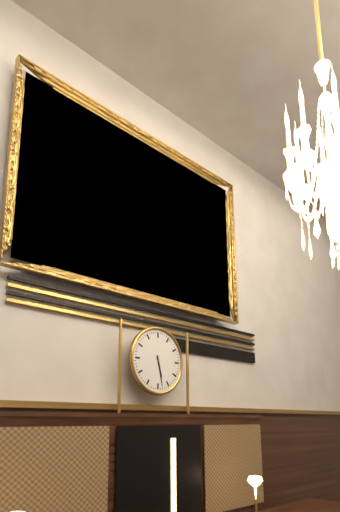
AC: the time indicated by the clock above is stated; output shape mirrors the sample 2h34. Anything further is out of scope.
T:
5h28
